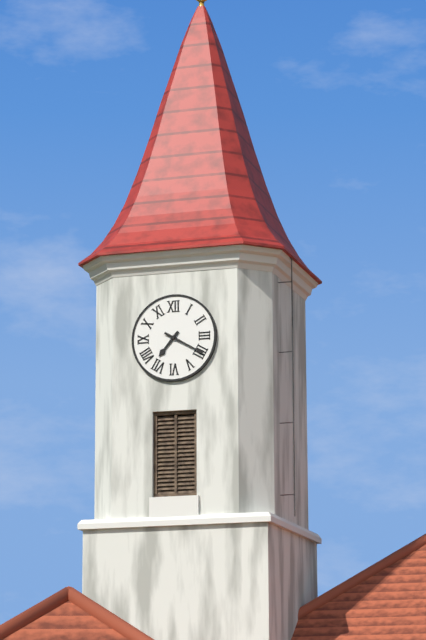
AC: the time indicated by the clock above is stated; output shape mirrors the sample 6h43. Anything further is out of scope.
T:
7h20
